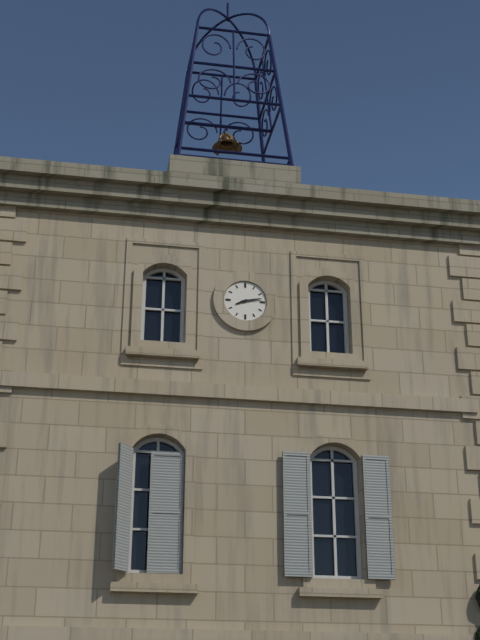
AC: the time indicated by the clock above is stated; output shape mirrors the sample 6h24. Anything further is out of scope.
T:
8h13
